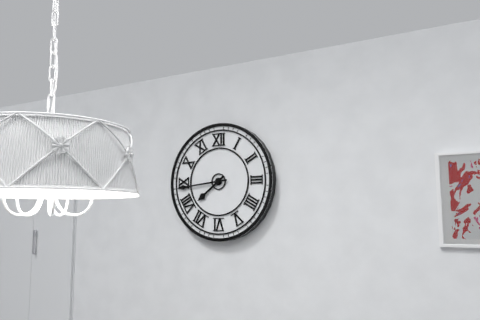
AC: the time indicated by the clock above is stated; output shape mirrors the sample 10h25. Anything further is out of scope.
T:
7h44
